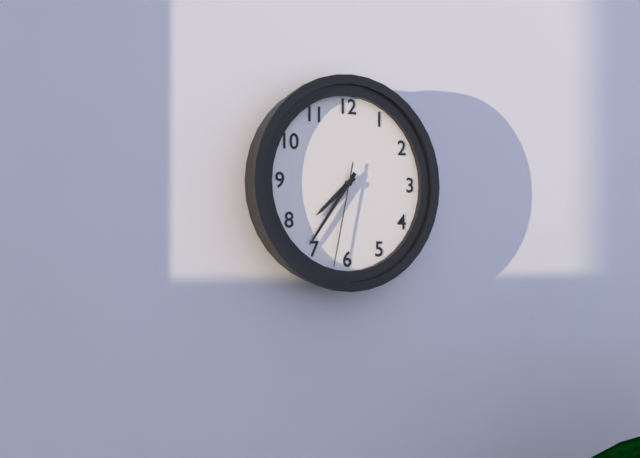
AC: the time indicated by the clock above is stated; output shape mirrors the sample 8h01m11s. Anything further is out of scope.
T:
7h36m32s
